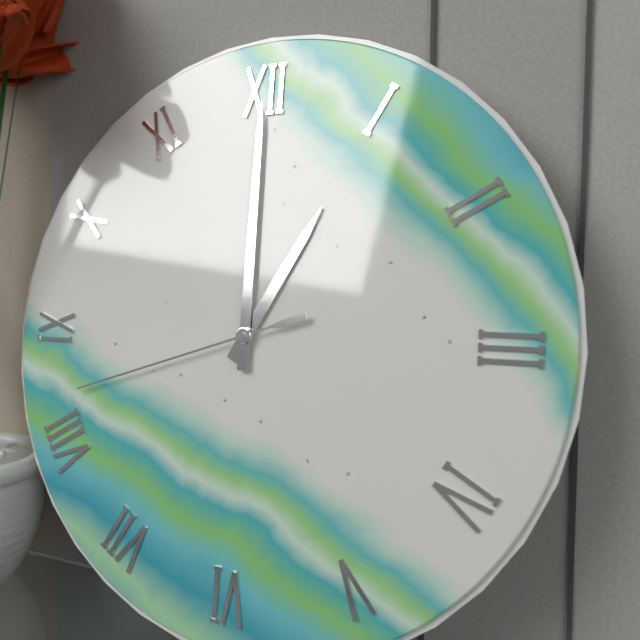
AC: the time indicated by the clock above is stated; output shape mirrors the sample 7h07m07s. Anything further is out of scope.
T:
1h00m42s
